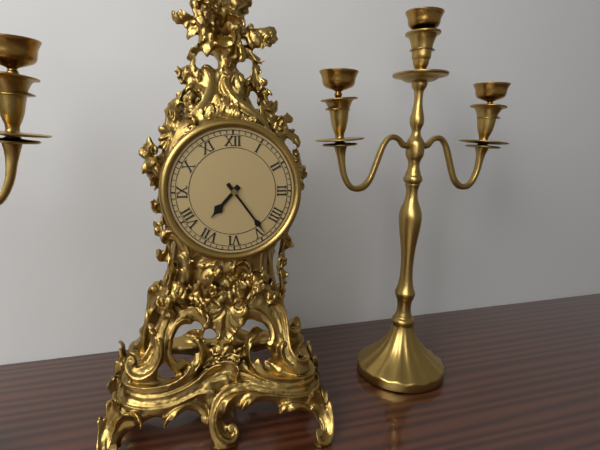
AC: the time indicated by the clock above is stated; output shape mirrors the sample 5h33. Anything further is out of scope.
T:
7h24
